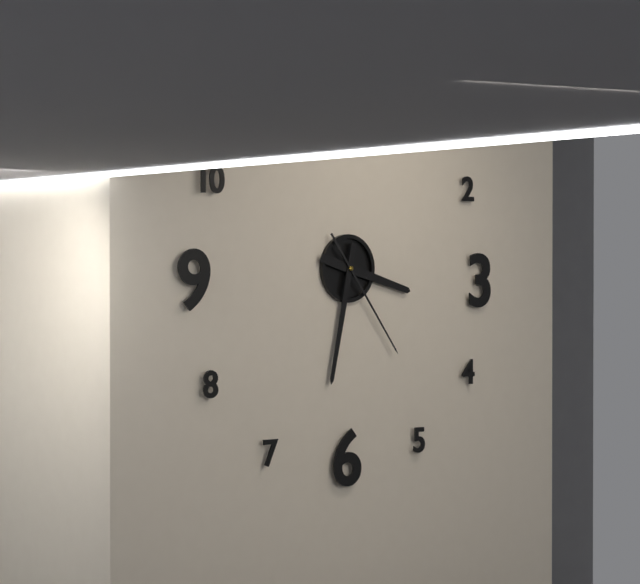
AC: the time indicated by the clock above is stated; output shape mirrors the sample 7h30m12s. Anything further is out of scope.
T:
3h32m24s
